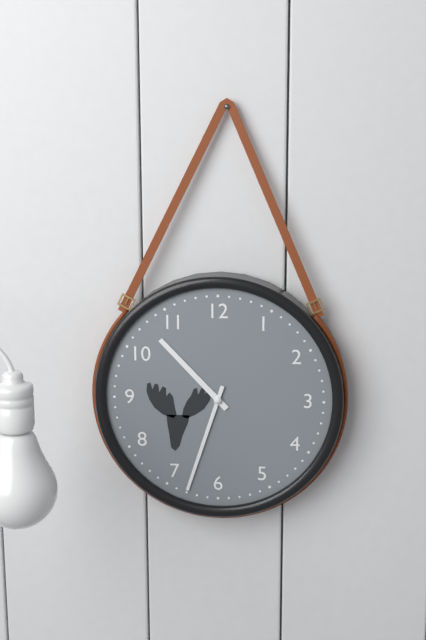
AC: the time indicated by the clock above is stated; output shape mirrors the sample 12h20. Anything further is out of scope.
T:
10h33
